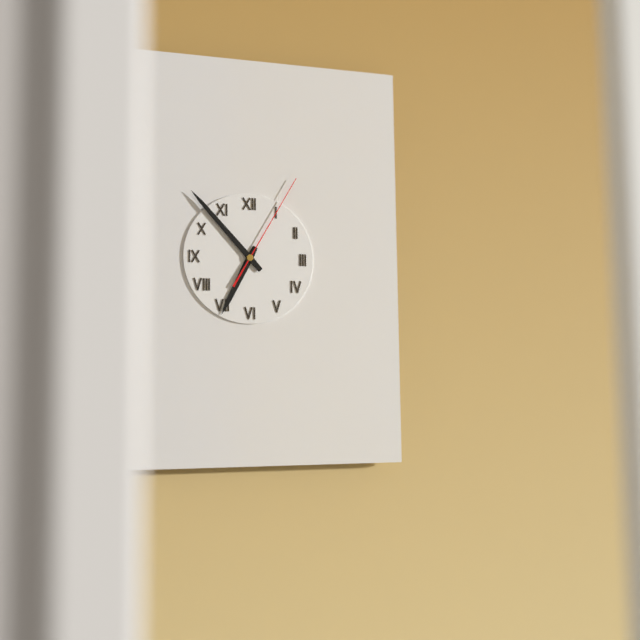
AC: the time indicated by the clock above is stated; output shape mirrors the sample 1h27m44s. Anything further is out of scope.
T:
6h53m05s
